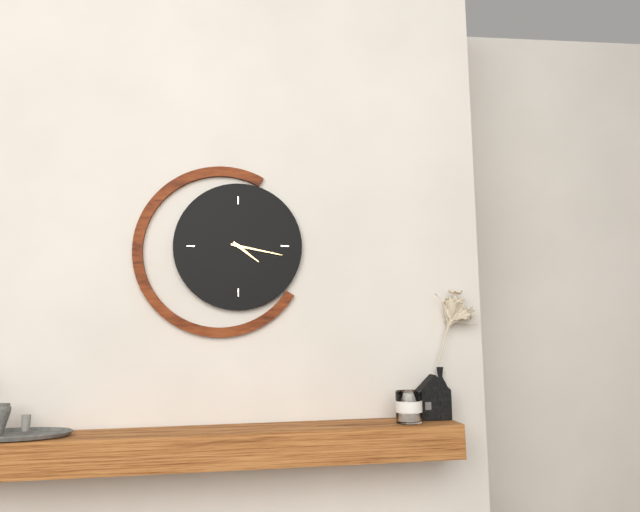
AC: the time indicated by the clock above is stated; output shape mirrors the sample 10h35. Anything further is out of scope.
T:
4h17
